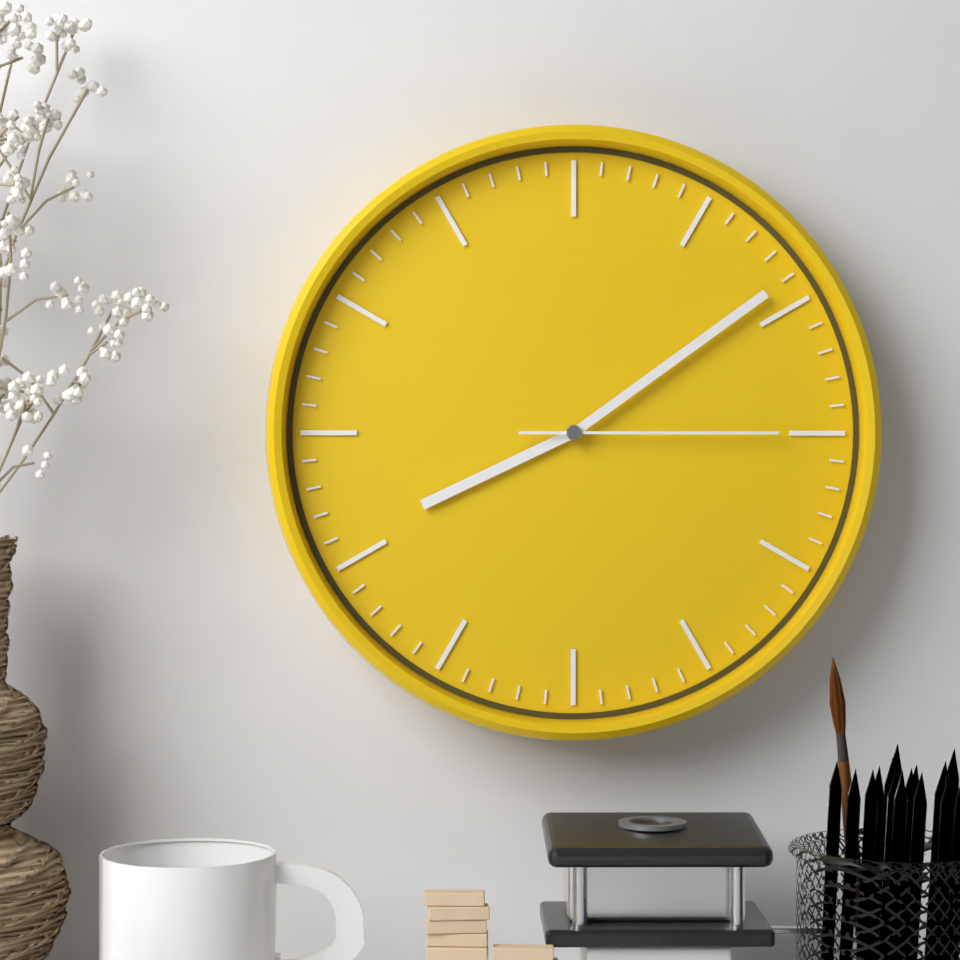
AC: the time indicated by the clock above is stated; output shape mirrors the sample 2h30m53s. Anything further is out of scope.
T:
8h09m15s
